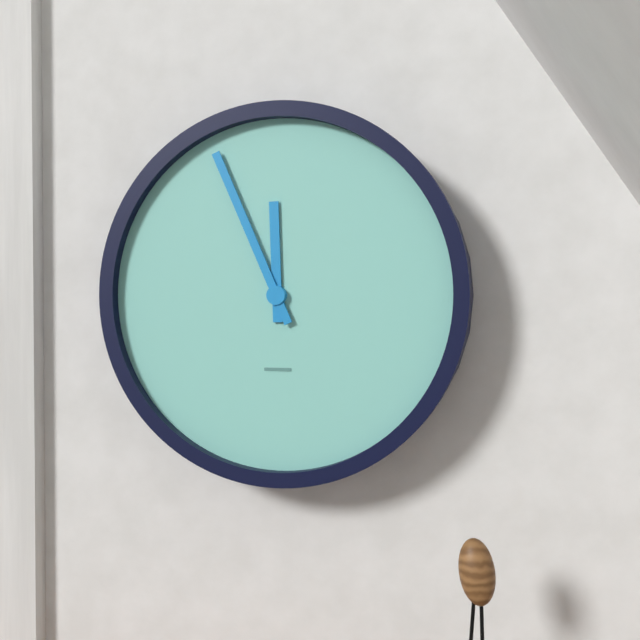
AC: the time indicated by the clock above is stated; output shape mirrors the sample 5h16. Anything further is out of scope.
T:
11h56
